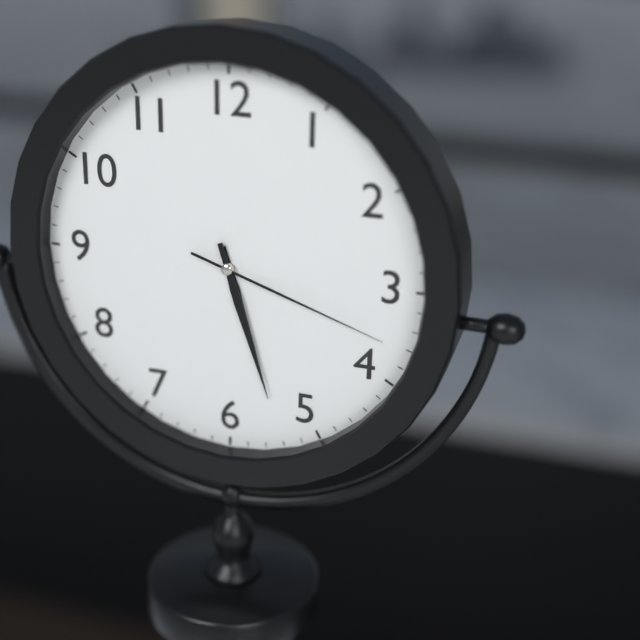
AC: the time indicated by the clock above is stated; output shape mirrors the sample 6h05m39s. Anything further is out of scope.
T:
5h27m18s
